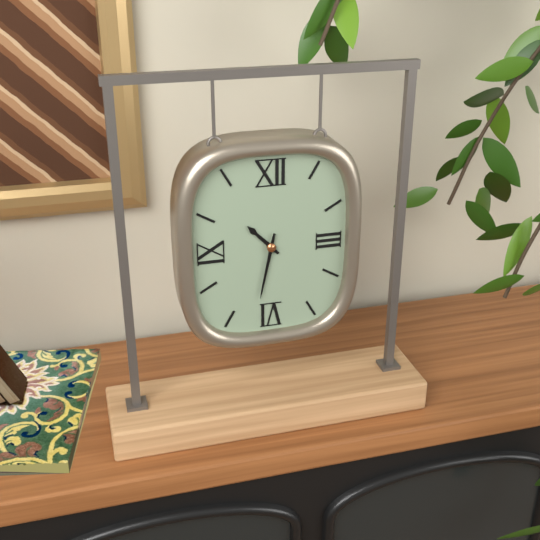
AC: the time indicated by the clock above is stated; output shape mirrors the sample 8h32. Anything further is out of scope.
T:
10h32
